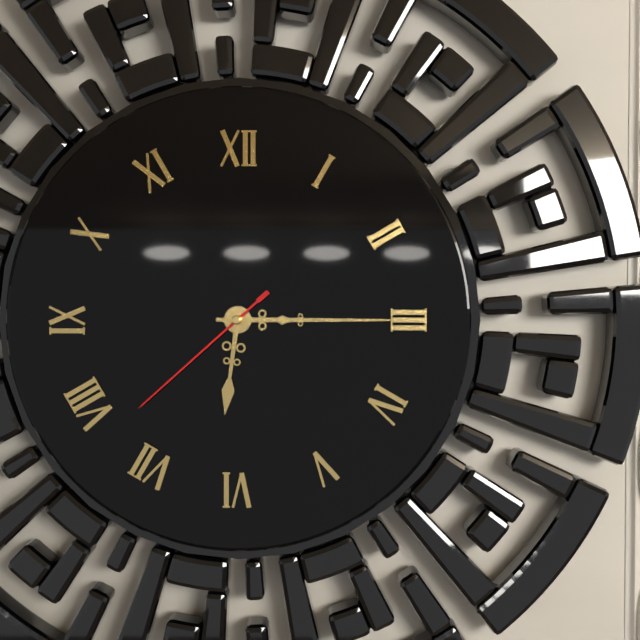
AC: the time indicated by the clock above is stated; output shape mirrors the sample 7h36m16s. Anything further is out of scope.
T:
6h15m38s
